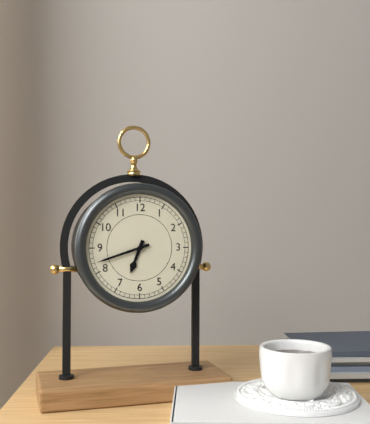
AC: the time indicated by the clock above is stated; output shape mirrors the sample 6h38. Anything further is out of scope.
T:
6h42
